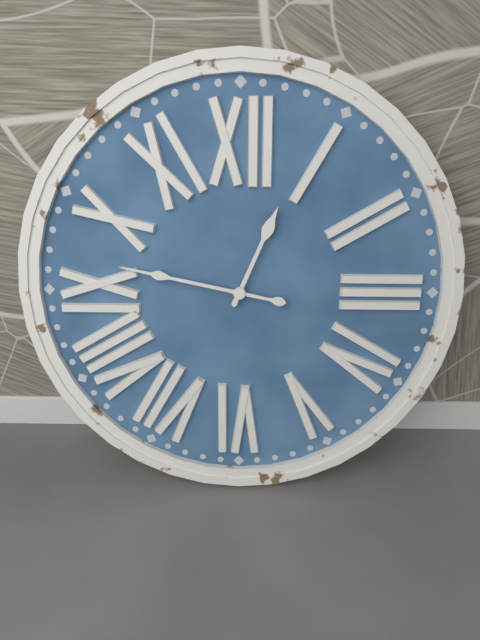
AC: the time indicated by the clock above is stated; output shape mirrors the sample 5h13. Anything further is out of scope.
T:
12h47
